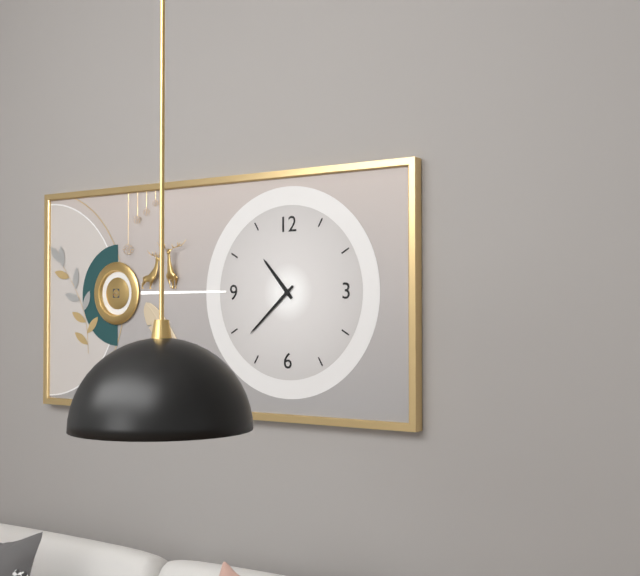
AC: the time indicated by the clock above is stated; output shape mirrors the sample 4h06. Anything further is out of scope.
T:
10h38
